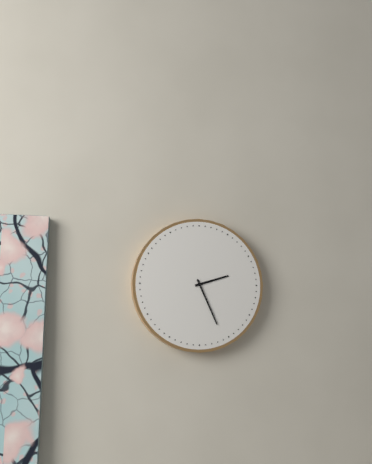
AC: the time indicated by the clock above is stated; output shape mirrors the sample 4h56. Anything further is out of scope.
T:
2h26
